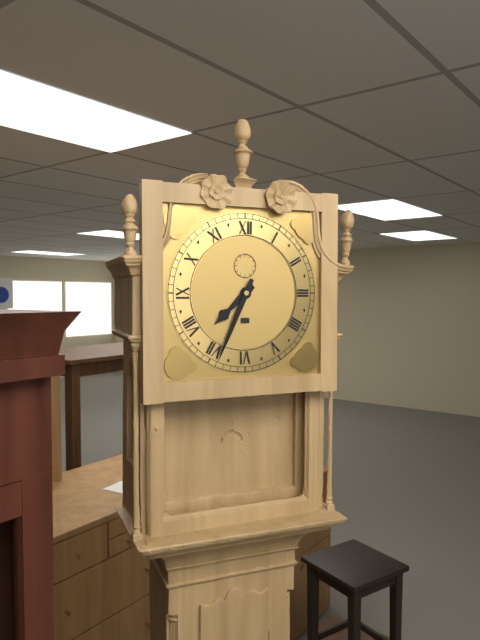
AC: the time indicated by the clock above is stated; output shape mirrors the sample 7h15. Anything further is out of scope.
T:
7h34
